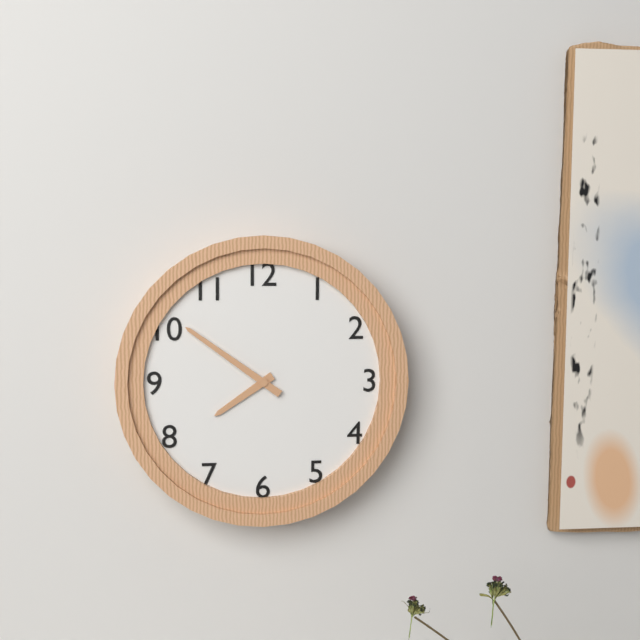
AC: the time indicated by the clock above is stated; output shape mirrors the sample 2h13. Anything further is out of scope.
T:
7h51
